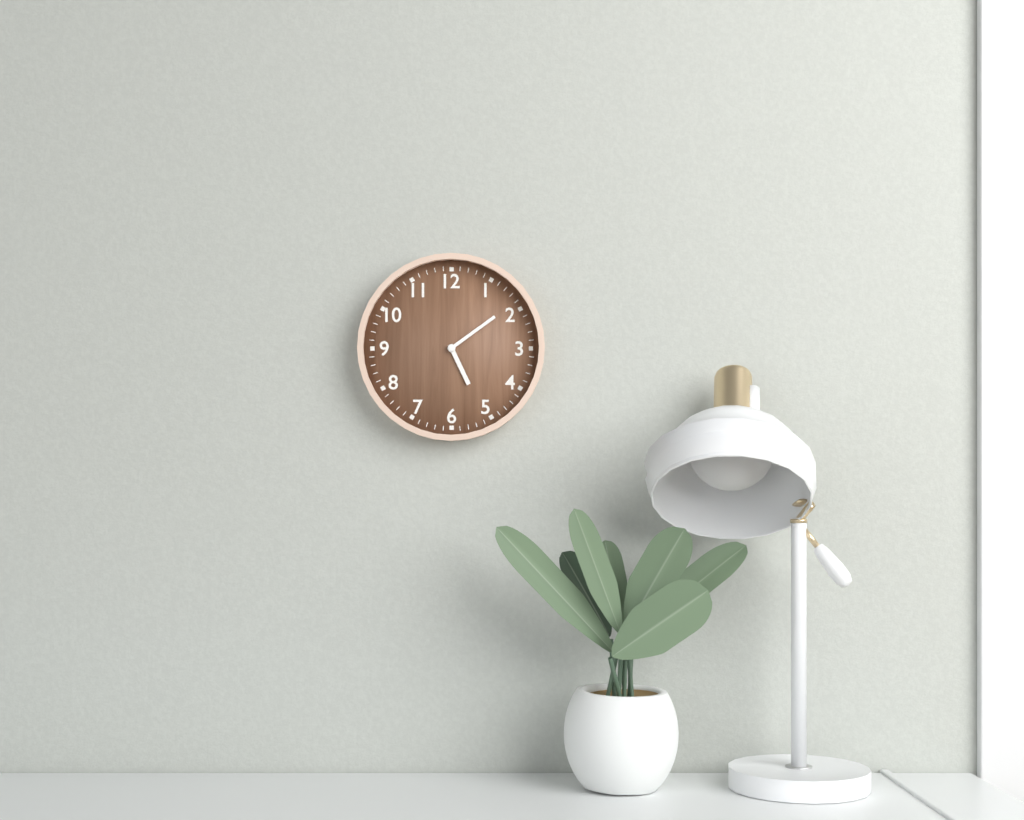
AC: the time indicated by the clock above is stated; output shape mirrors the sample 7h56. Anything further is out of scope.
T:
5h09
